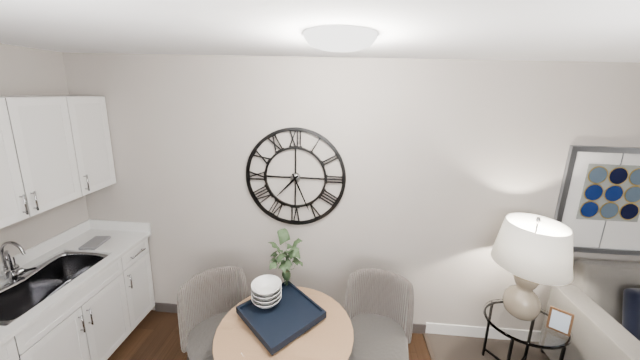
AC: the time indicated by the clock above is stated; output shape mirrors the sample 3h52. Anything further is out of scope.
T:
7h26
